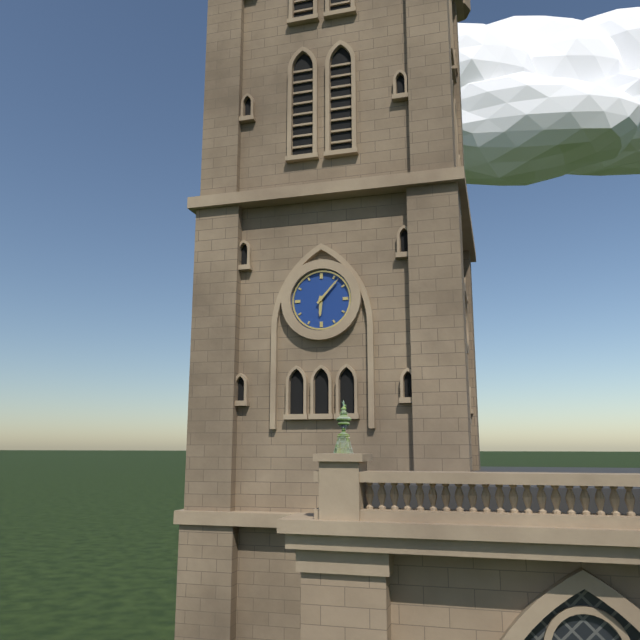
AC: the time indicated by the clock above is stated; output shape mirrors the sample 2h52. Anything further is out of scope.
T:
6h07
